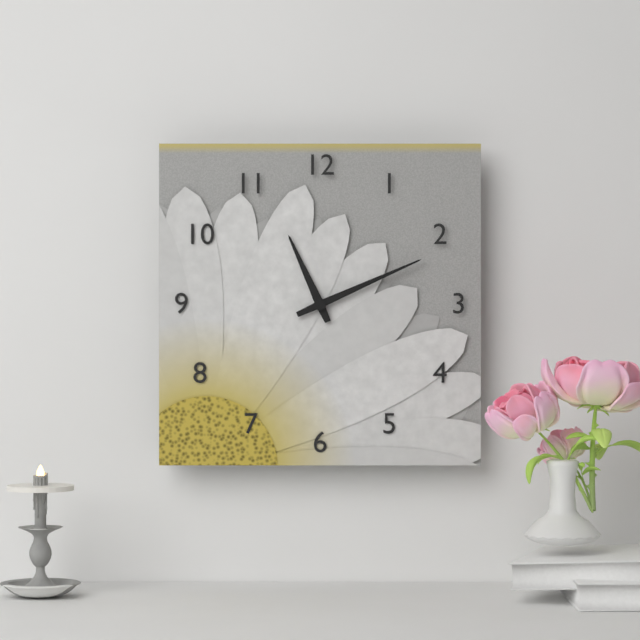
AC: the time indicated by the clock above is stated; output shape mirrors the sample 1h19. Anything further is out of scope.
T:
11h11
